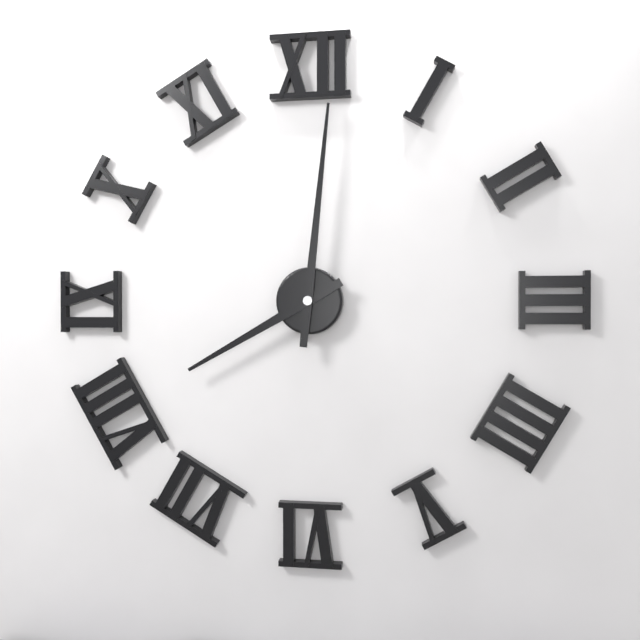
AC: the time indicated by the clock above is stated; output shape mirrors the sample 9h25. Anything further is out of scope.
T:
8h01
